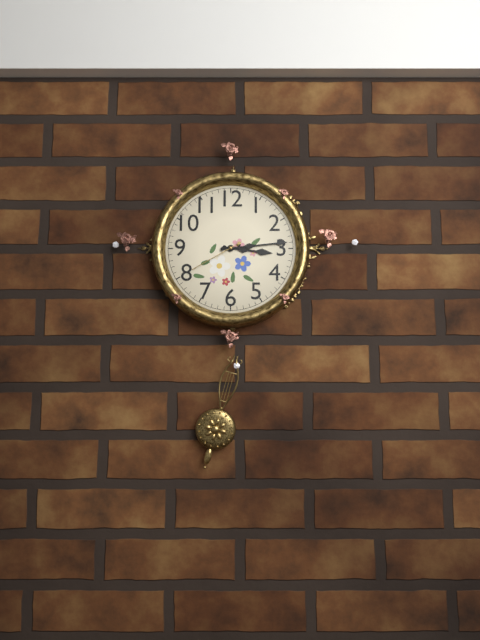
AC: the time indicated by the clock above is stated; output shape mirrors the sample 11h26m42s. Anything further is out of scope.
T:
3h14m40s
